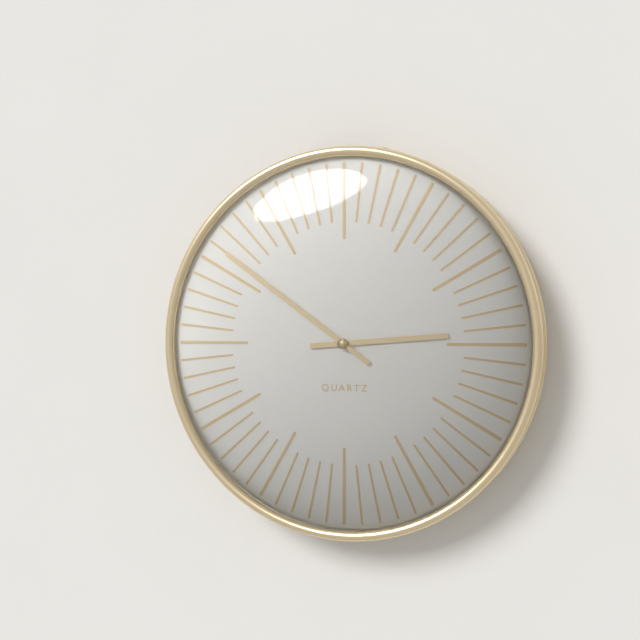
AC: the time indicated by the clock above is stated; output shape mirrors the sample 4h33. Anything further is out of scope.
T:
2h51
